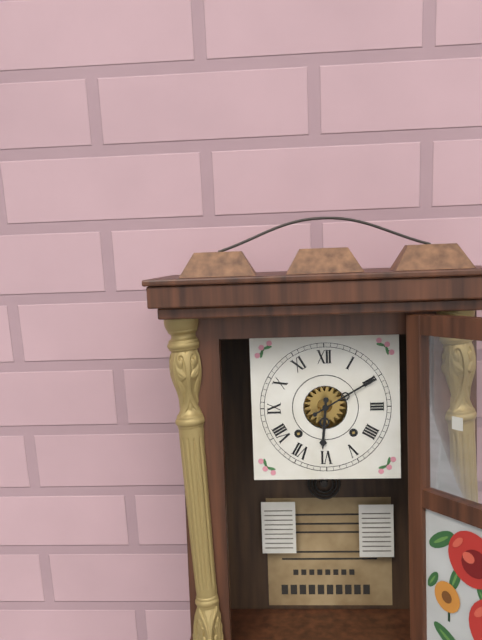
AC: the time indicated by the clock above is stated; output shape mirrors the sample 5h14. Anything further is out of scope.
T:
6h10
